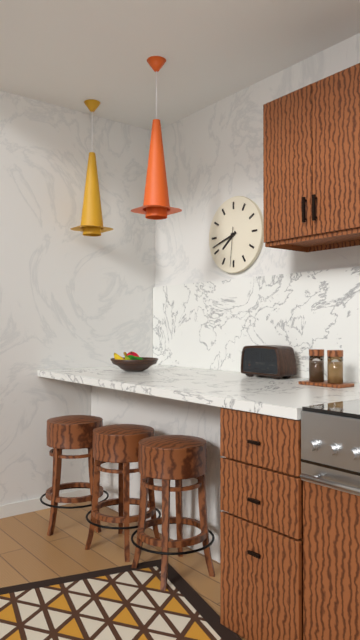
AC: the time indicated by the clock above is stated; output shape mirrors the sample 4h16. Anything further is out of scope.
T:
7h42
